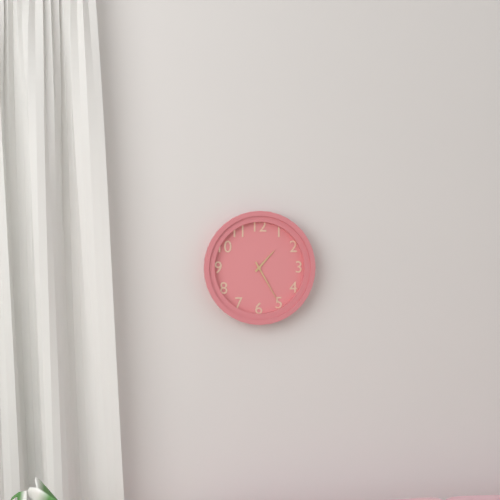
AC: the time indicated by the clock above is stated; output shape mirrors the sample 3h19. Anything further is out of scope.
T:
1h25
